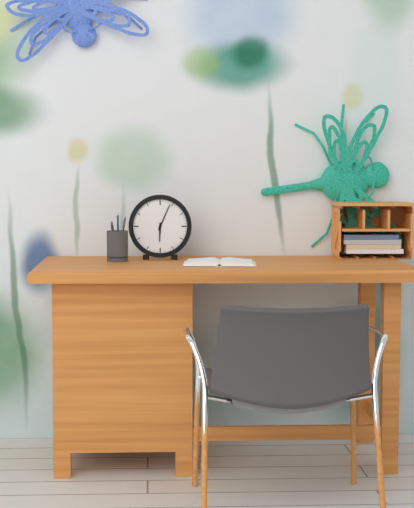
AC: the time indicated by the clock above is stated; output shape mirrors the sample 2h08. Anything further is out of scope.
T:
6h04
